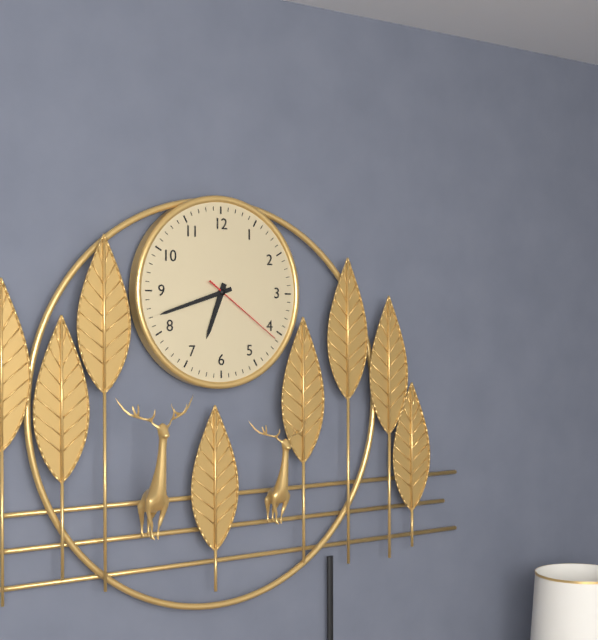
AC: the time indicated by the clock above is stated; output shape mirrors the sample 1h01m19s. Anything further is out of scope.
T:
6h42m21s
